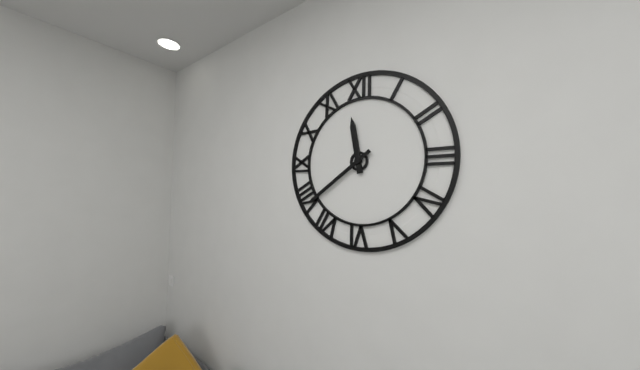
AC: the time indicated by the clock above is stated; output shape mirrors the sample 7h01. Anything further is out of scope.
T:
11h39
